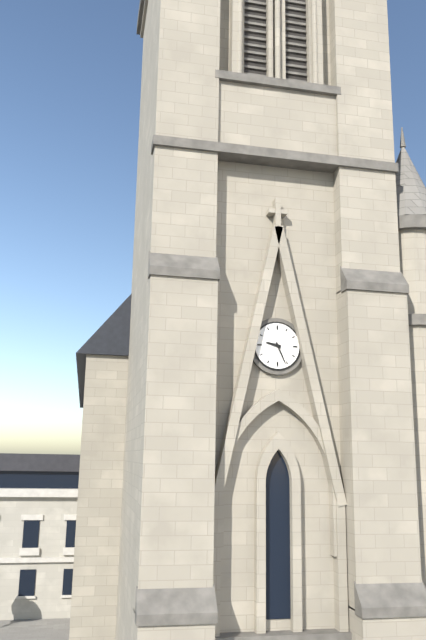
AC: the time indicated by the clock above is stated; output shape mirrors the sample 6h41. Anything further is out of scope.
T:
9h26
